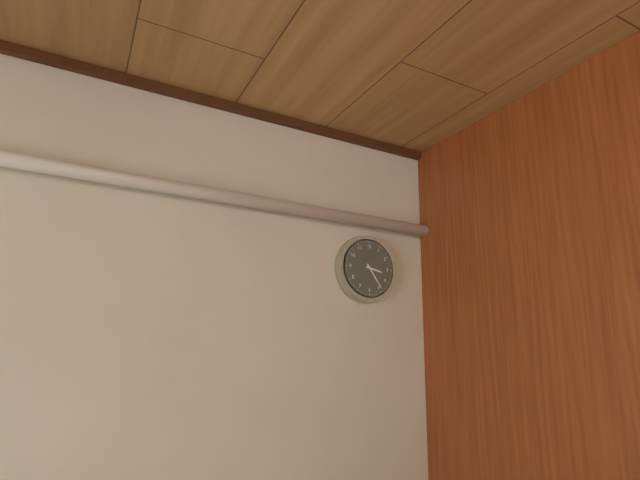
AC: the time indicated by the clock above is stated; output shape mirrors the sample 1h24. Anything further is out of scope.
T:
3h24
